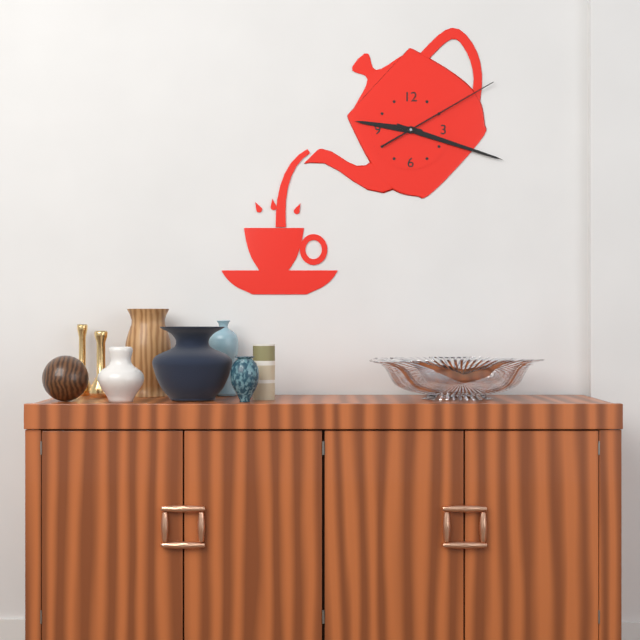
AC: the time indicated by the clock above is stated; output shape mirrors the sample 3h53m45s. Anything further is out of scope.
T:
9h18m10s
